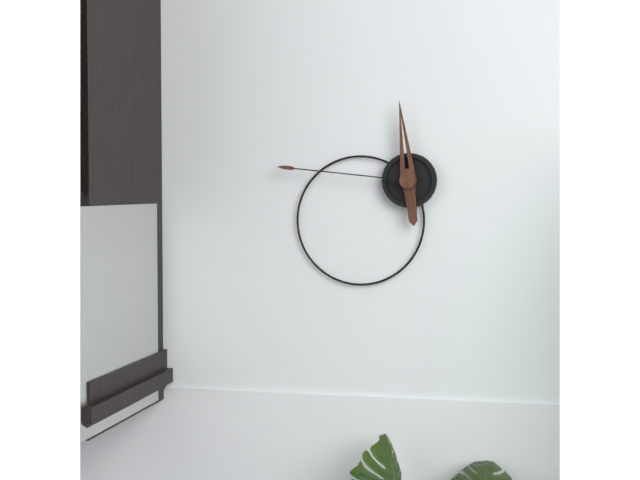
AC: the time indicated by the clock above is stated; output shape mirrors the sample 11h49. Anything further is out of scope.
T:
11h46
